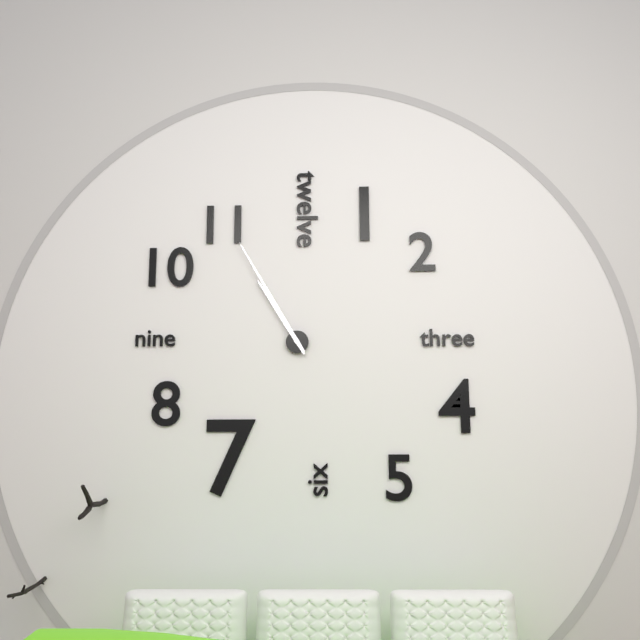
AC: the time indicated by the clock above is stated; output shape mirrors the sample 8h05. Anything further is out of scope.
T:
10h55
